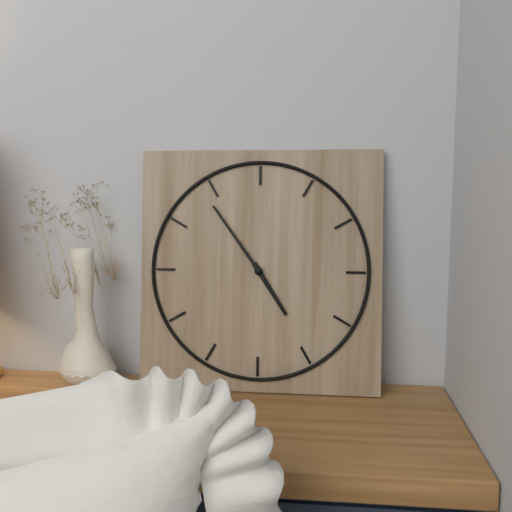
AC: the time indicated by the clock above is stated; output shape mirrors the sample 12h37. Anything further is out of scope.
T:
4h54
